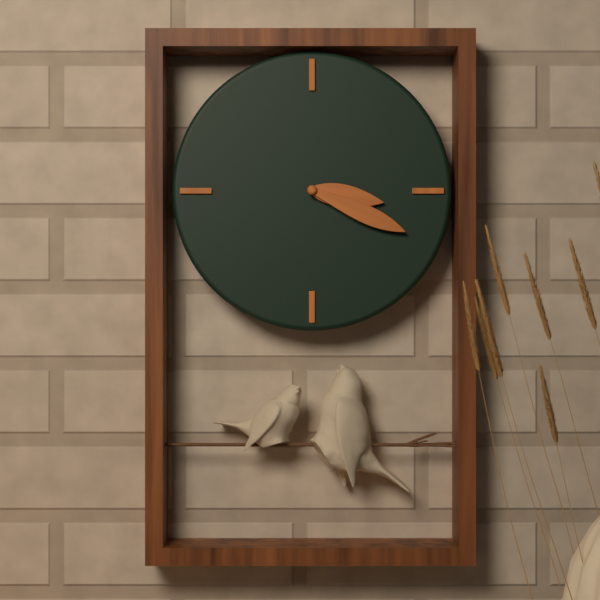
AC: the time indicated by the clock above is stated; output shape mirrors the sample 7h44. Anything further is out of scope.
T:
3h19
